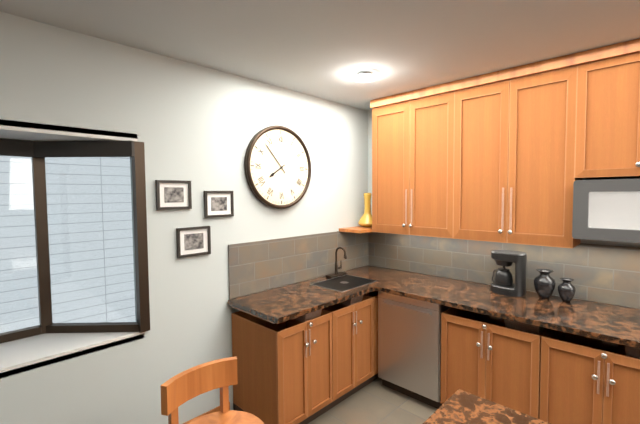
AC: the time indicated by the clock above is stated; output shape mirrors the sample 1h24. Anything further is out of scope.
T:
7h53
